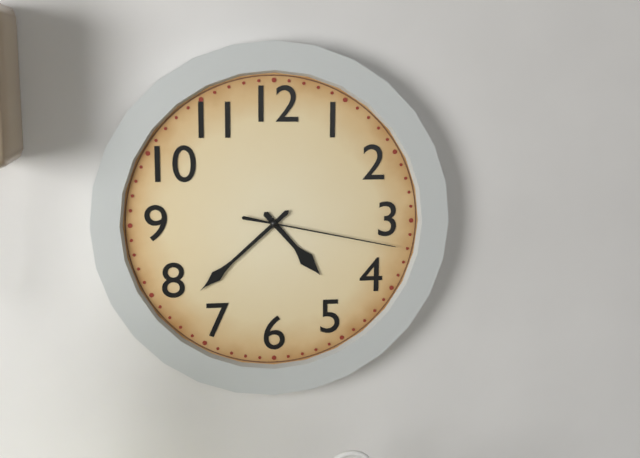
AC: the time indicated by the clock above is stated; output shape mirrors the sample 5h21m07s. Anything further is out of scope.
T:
4h38m17s
